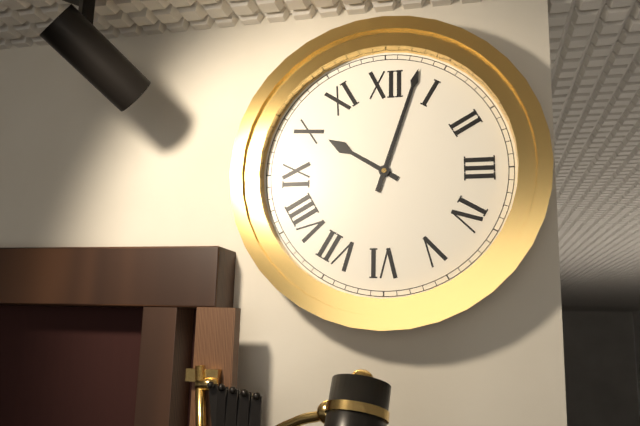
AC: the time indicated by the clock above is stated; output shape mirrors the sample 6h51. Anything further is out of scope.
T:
10h03
